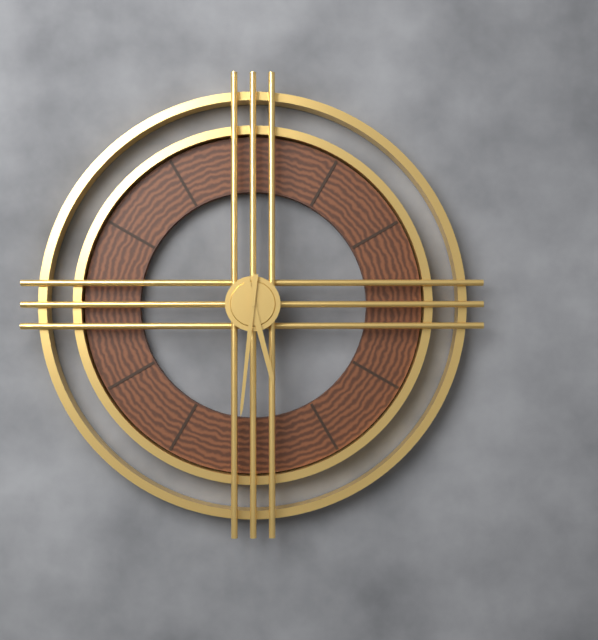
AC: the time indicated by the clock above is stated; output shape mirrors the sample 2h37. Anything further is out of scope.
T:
5h31
